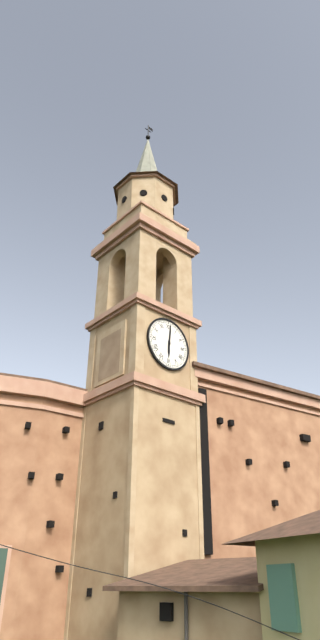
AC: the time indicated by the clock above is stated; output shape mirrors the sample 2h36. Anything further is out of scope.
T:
6h01
